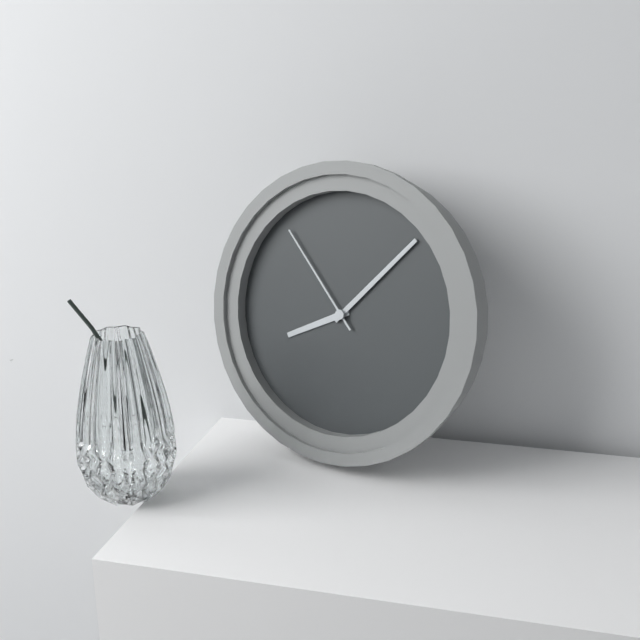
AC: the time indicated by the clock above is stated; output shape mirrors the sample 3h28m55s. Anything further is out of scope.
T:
8h07m53s
